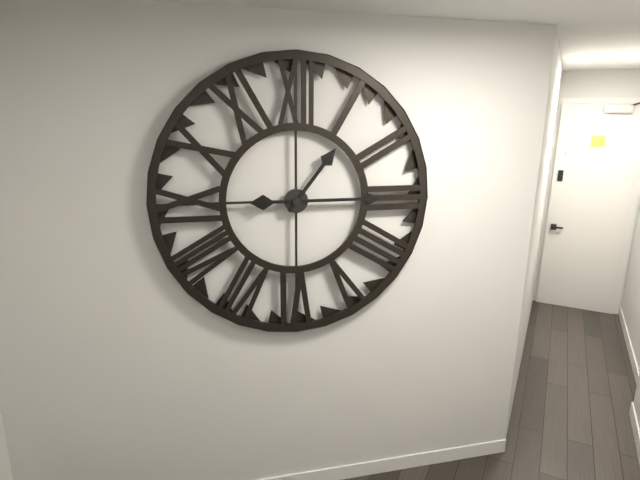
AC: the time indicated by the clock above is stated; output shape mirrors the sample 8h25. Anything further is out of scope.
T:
1h15
